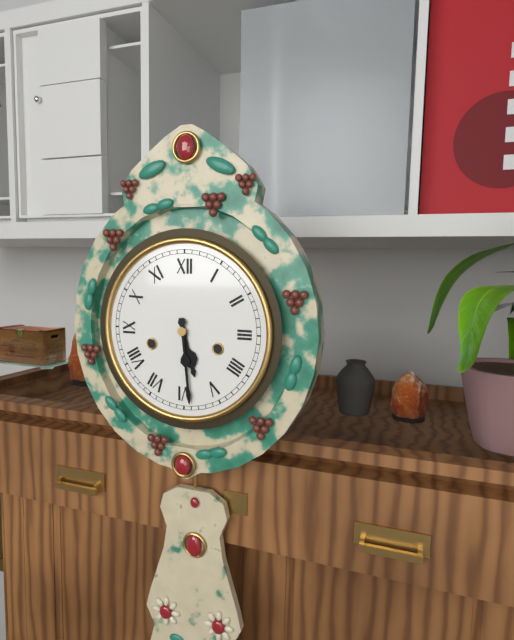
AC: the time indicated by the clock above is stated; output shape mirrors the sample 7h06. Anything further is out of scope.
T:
5h29
